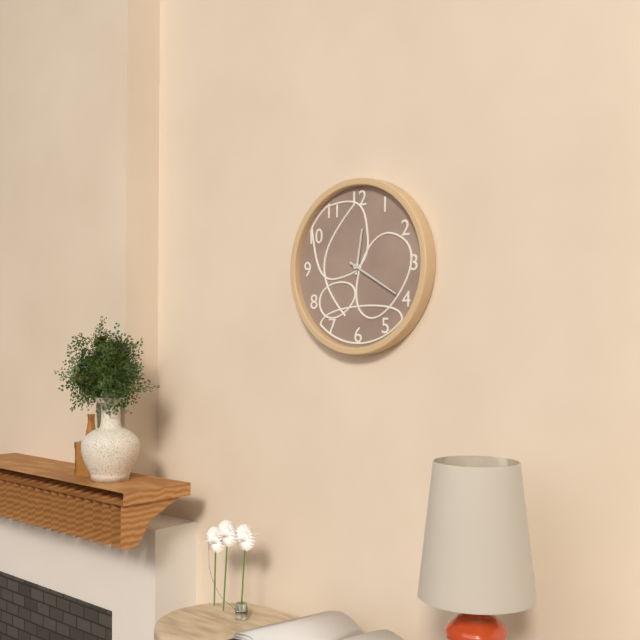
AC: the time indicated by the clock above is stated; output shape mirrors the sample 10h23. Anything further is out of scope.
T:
12h20
